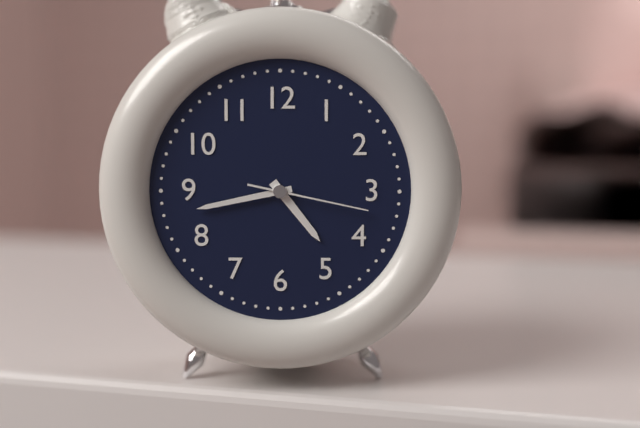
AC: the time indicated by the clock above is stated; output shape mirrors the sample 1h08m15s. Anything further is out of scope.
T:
4h43m17s
